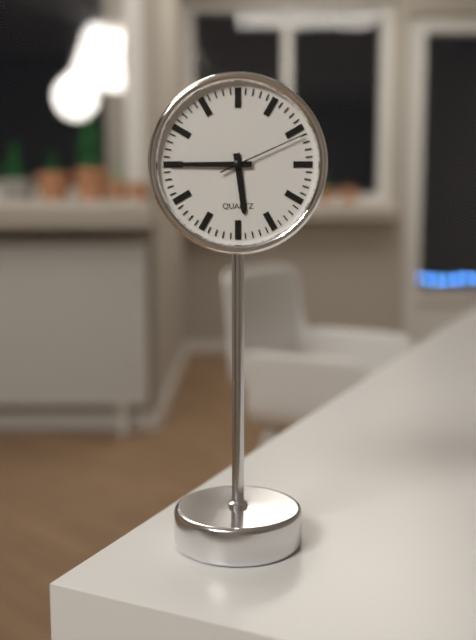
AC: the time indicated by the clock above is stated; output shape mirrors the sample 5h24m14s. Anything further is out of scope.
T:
5h45m11s
